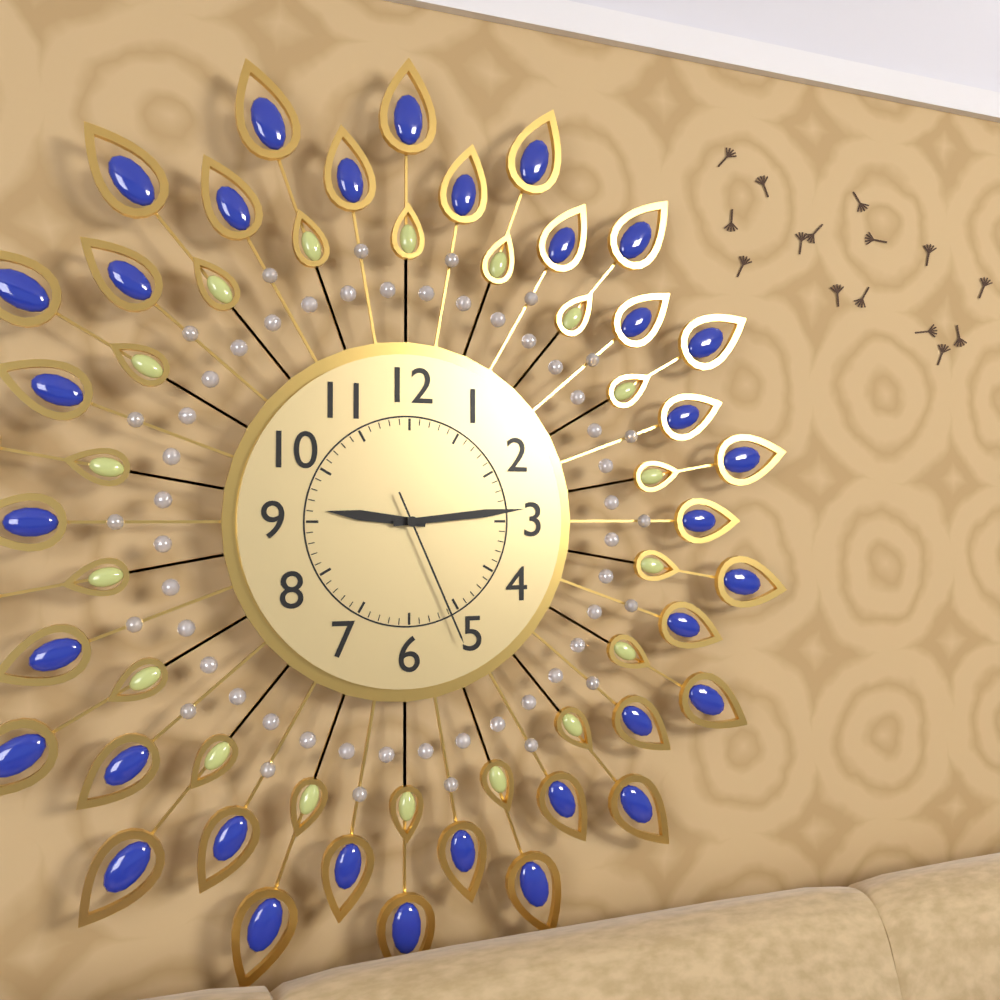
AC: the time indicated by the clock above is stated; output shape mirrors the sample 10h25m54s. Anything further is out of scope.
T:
9h14m26s
